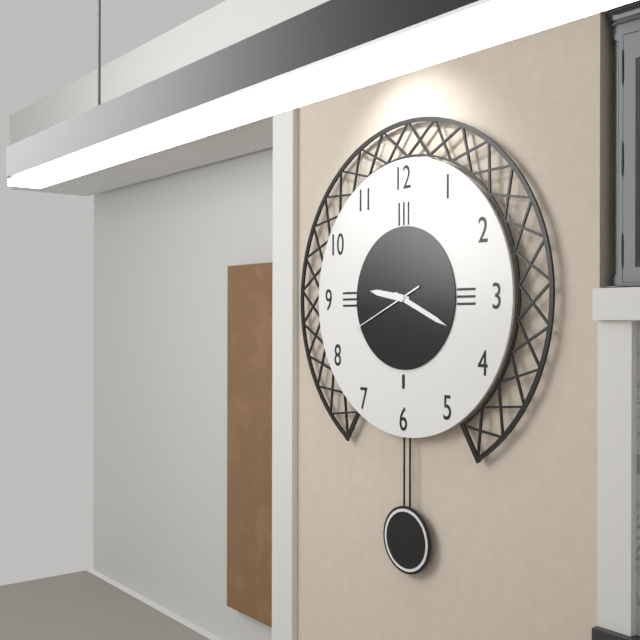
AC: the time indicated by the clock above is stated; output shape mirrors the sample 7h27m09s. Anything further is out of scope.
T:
9h19m41s
